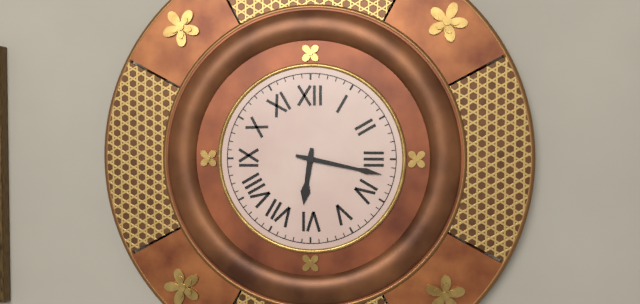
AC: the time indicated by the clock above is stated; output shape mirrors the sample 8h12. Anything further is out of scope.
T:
6h17
